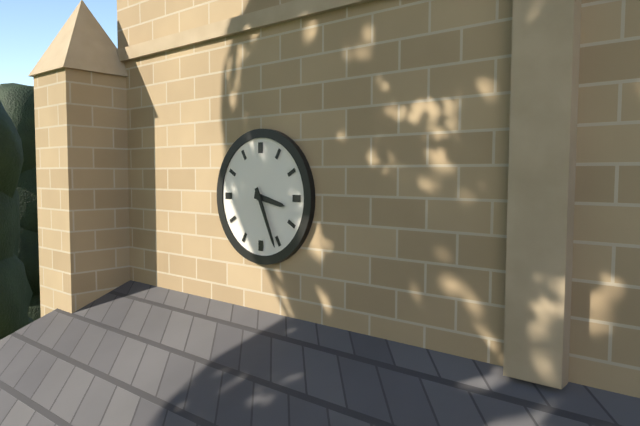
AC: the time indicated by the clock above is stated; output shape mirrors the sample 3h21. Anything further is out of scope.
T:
3h26
